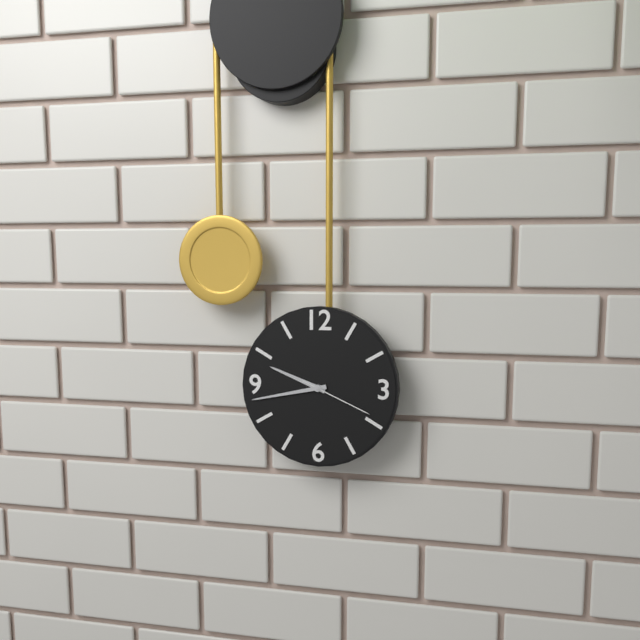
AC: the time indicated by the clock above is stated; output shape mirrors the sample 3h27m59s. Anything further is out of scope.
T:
9h43m19s
